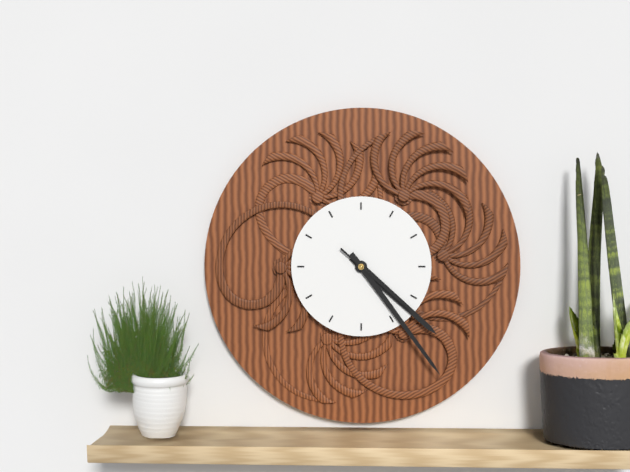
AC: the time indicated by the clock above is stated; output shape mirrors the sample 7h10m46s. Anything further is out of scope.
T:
4h24m22s
